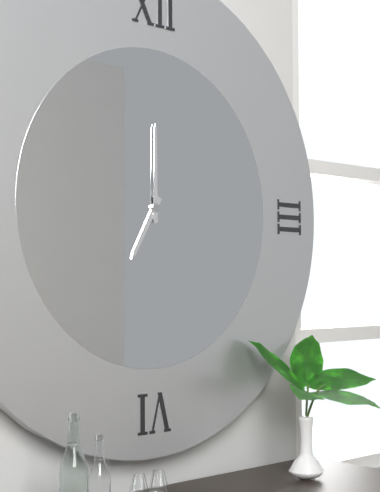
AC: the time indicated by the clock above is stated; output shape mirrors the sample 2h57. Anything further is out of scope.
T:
7h00
